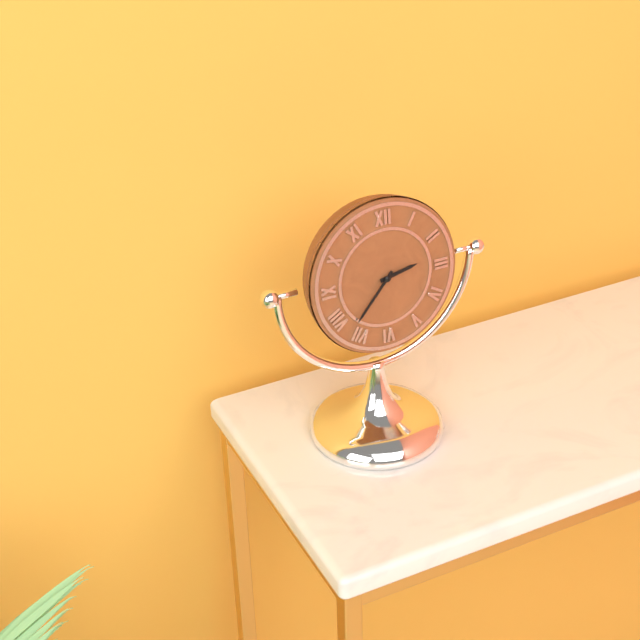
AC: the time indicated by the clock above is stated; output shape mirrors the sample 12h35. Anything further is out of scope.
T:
2h37
